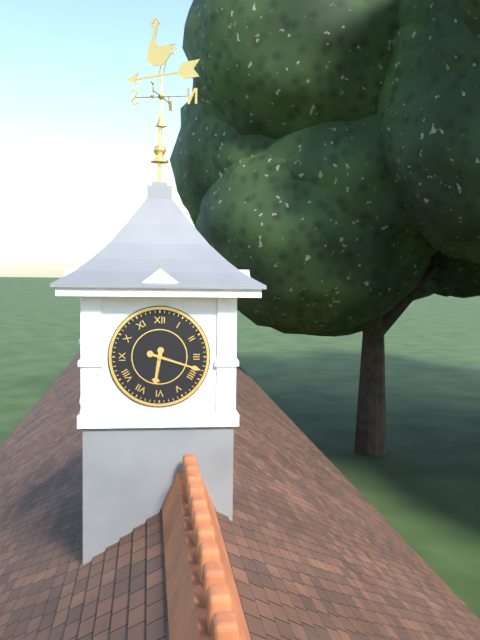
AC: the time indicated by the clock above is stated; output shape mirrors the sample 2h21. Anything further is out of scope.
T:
6h18
